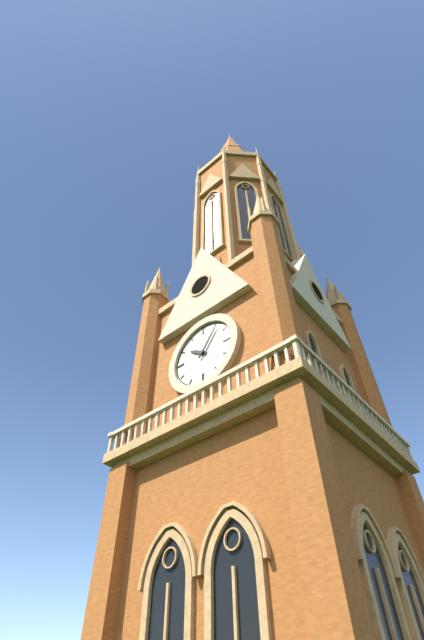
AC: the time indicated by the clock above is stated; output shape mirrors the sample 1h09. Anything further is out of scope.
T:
10h06
